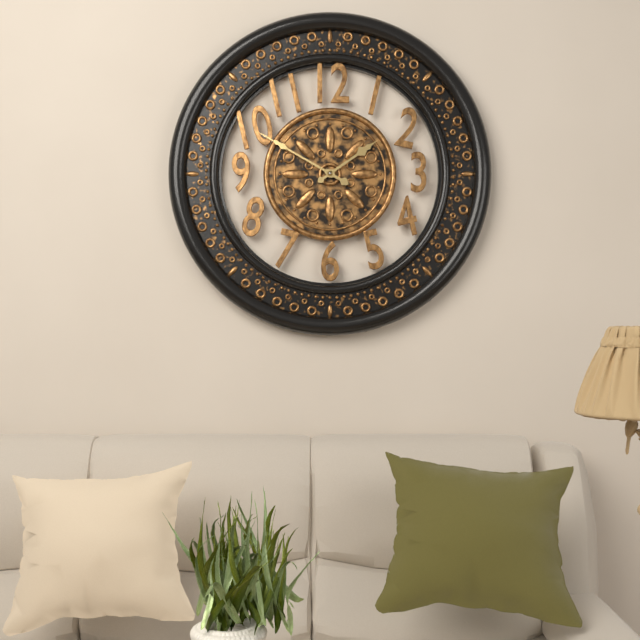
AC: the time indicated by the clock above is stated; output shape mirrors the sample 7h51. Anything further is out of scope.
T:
1h50
